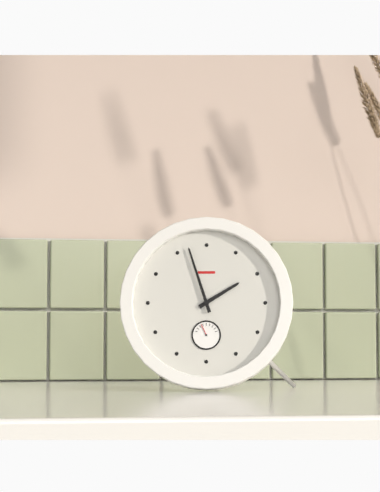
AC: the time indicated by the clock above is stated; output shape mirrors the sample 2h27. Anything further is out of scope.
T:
1h57
